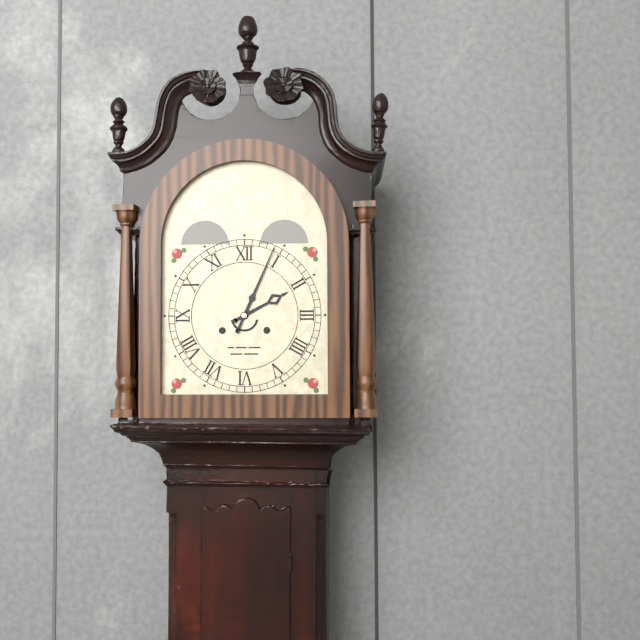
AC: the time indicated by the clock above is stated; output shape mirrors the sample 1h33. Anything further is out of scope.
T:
2h04
